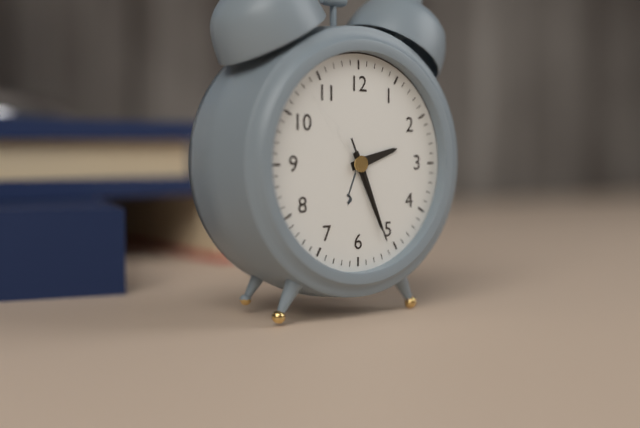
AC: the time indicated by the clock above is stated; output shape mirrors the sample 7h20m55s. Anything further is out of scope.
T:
2h26m26s
